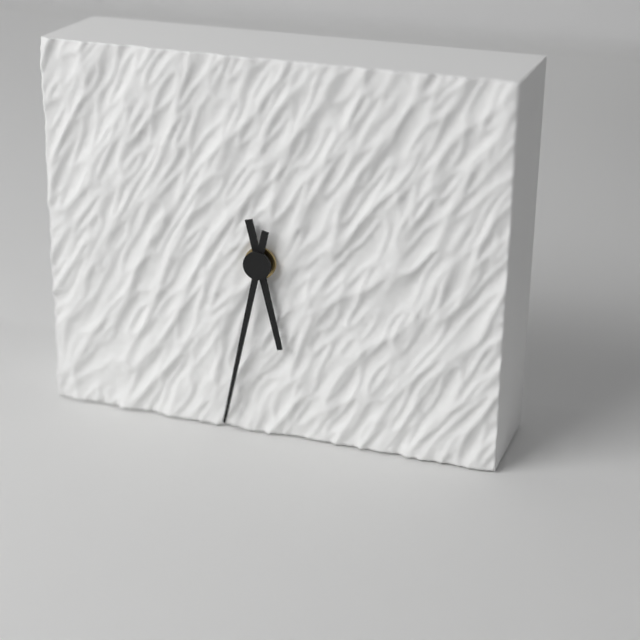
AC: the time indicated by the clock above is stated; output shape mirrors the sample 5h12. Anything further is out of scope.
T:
5h32
